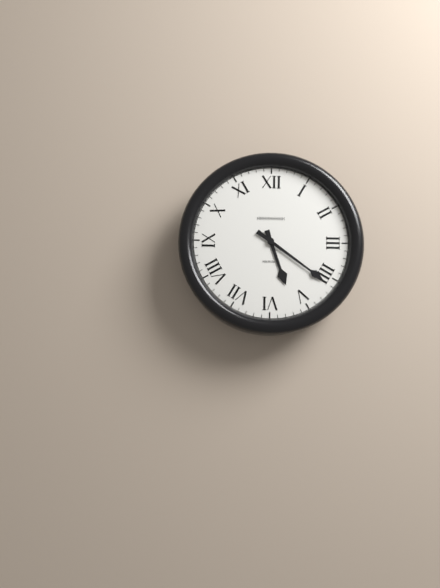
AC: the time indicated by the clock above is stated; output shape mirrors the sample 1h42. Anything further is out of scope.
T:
5h21
